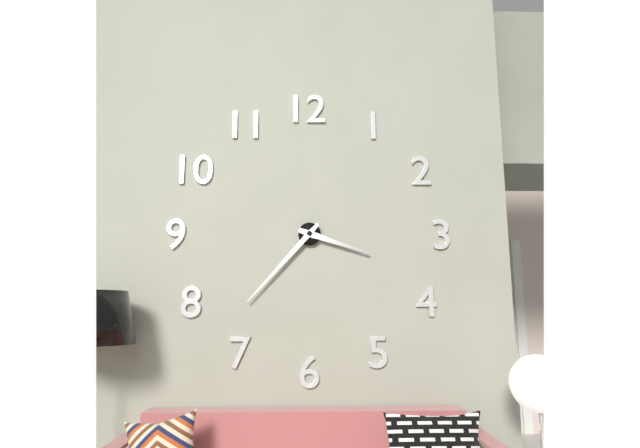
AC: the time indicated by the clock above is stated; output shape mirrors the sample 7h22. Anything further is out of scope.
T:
3h37
